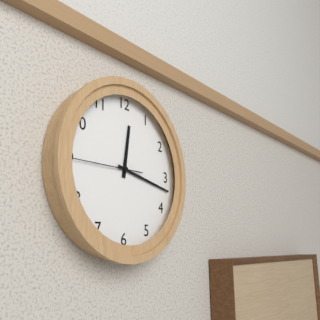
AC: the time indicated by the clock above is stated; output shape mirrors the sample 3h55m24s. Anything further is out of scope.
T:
12h17m45s
